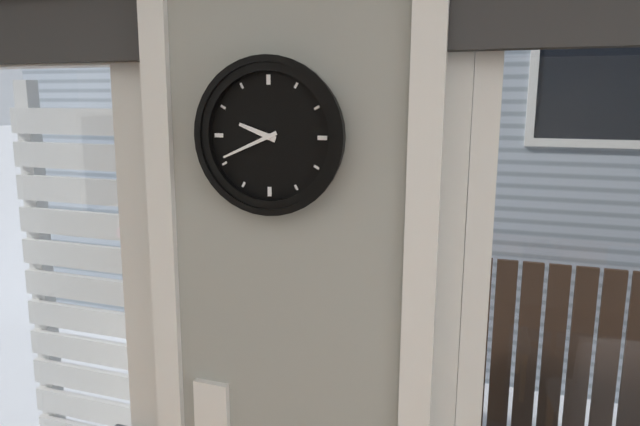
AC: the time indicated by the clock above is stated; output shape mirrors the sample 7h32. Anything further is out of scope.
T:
9h41
